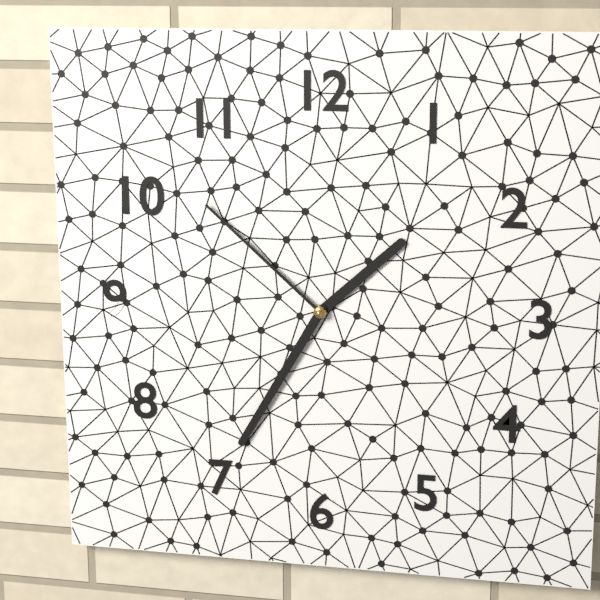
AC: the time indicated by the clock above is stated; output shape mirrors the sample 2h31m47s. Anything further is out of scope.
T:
1h35m52s
